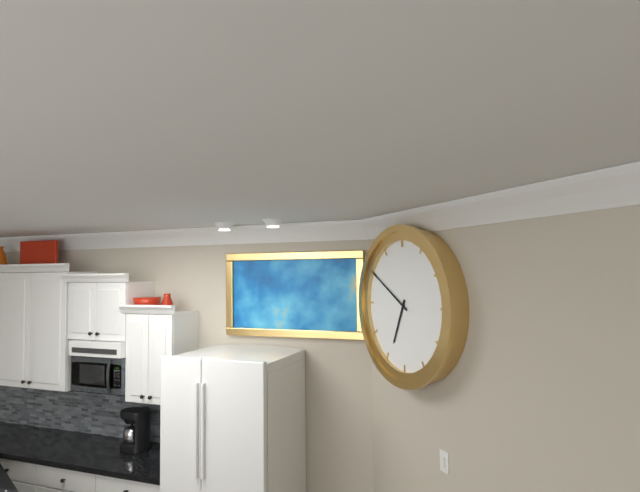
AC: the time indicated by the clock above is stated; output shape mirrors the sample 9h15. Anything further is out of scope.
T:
6h50
